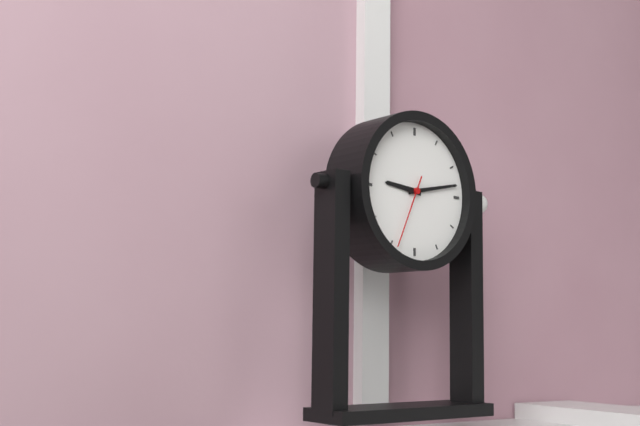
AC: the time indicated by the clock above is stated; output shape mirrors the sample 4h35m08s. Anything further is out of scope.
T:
9h13m34s
